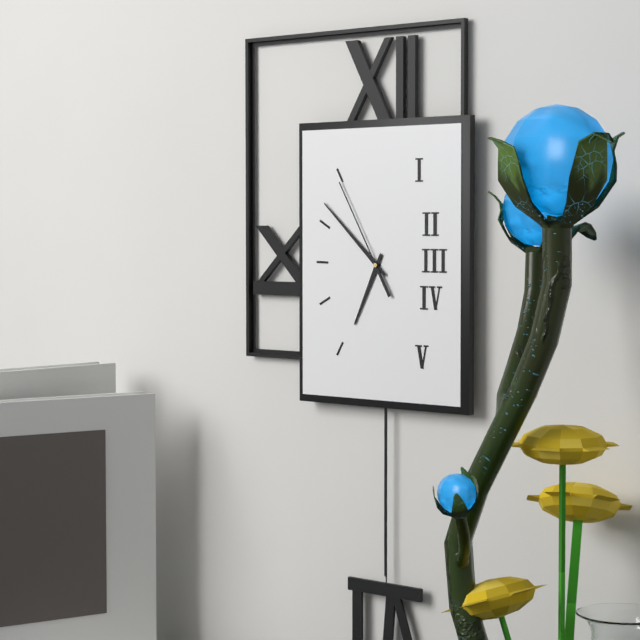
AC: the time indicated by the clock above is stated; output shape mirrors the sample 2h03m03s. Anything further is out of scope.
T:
6h52m55s
